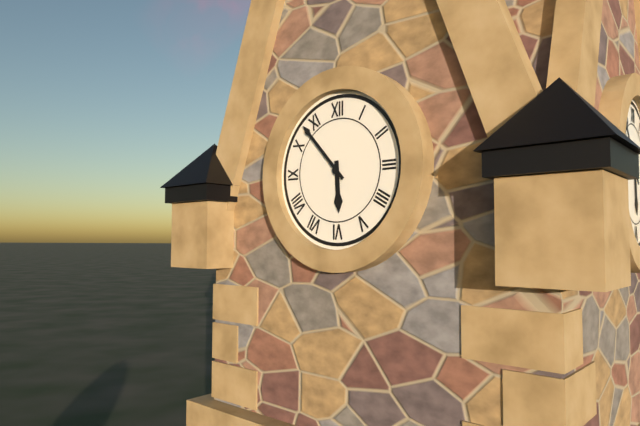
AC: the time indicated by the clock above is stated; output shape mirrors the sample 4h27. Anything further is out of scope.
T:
5h53
